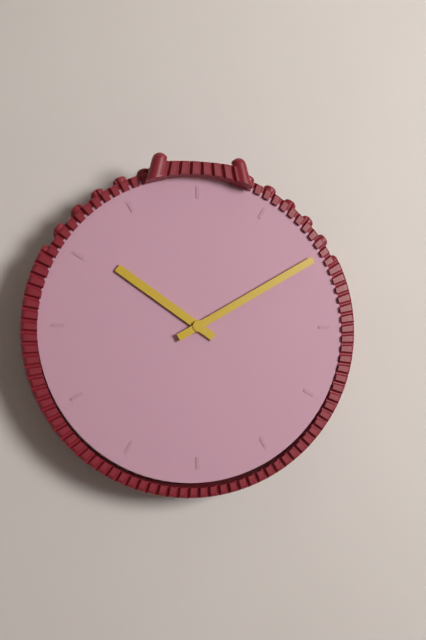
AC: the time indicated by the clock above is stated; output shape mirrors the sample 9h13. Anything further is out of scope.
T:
10h10
